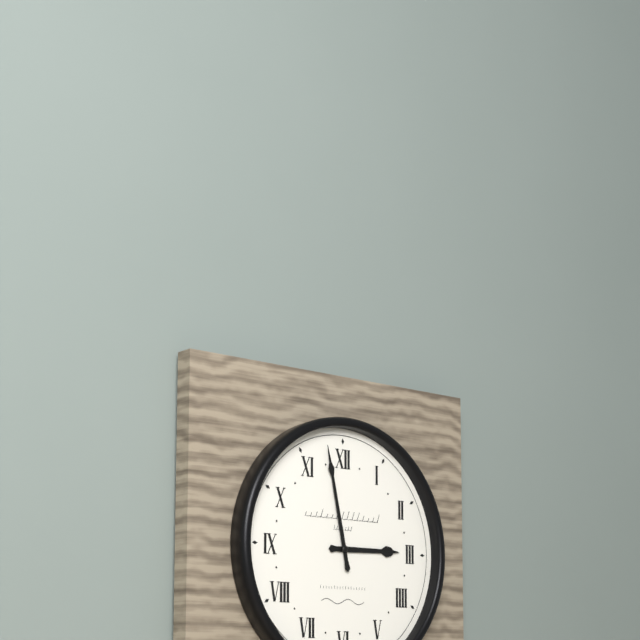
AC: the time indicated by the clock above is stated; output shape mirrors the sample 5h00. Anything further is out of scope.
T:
2h58
